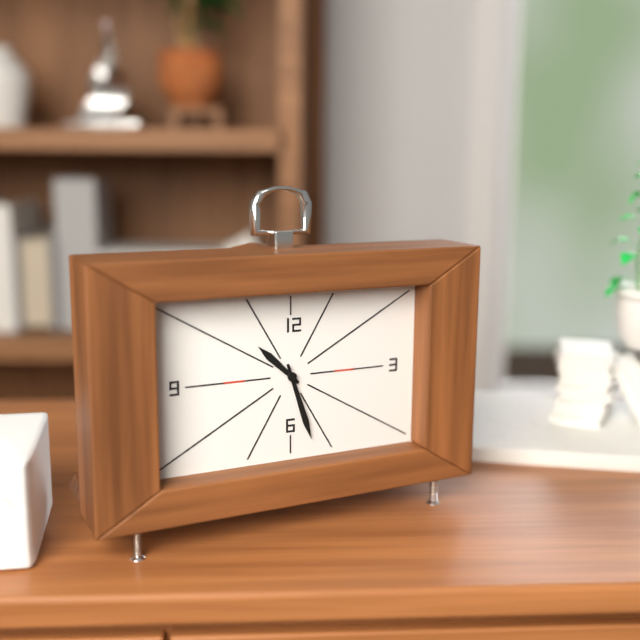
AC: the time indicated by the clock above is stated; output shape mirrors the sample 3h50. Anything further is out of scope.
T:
10h27
